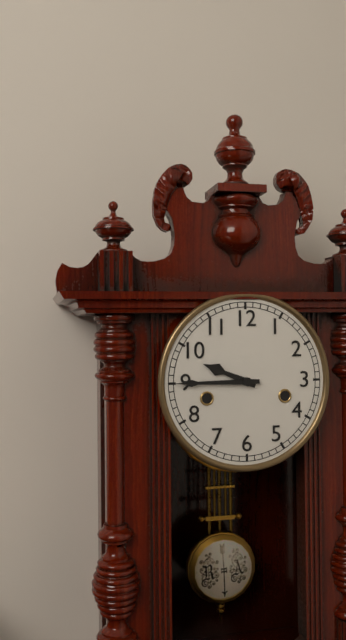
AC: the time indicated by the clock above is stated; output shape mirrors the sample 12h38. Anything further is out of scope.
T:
9h45
